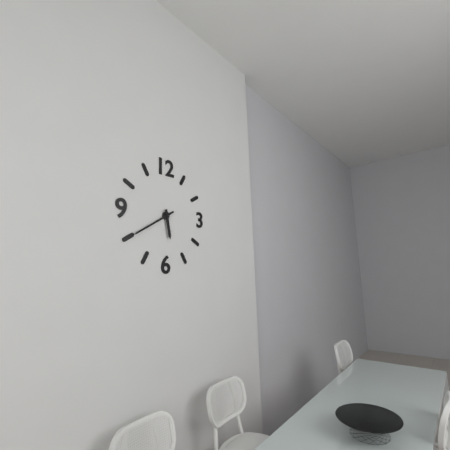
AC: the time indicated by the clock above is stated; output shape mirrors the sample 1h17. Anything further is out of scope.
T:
5h40
